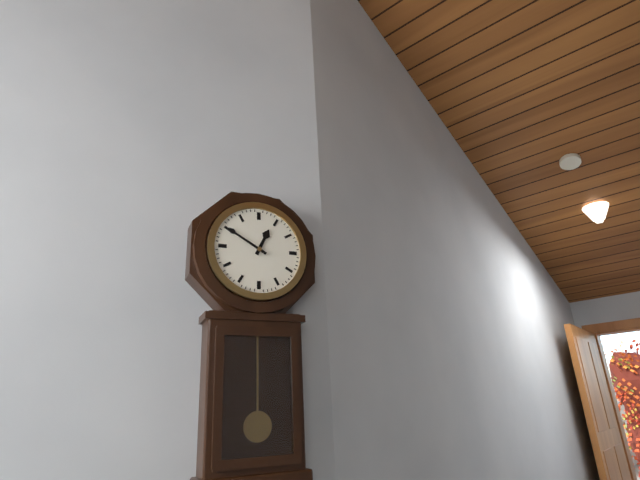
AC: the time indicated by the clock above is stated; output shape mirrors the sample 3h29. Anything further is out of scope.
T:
12h50
